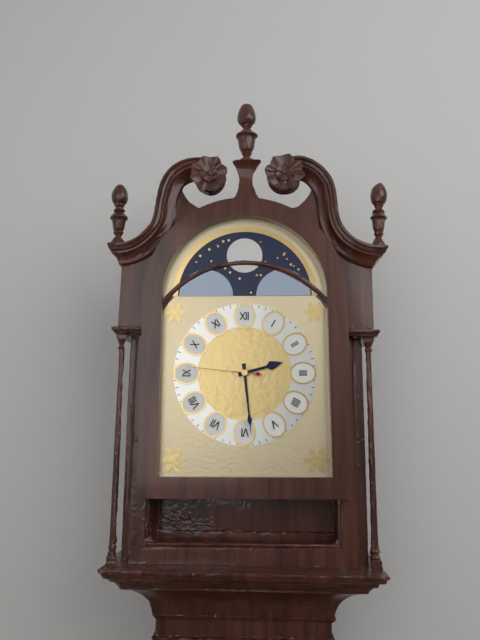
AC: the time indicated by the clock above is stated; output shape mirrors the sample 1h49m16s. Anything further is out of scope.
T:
2h29m46s
